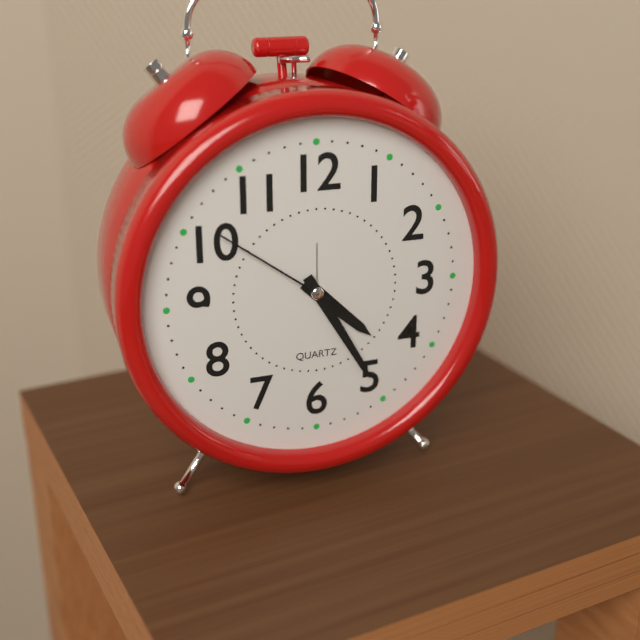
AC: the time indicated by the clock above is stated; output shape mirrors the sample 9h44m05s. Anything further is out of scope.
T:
4h25m51s
